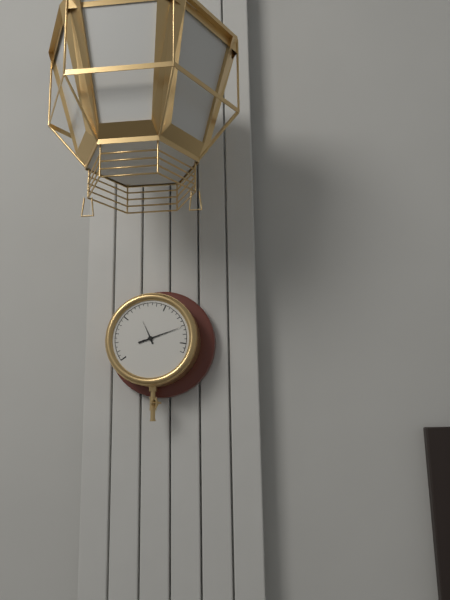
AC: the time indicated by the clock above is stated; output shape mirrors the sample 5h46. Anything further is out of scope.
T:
11h12
